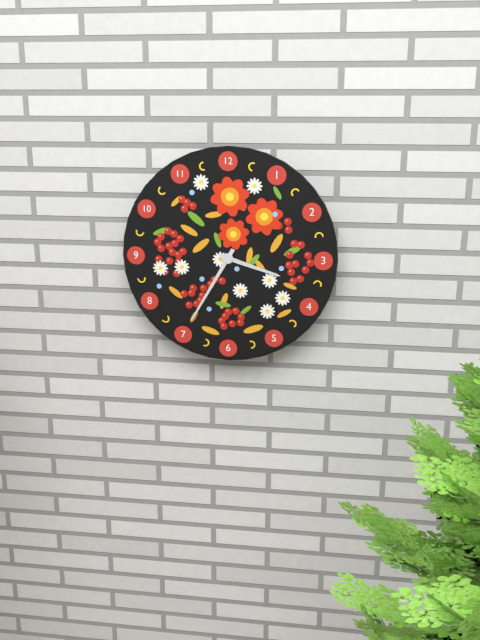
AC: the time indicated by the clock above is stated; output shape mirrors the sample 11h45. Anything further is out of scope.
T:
3h35
